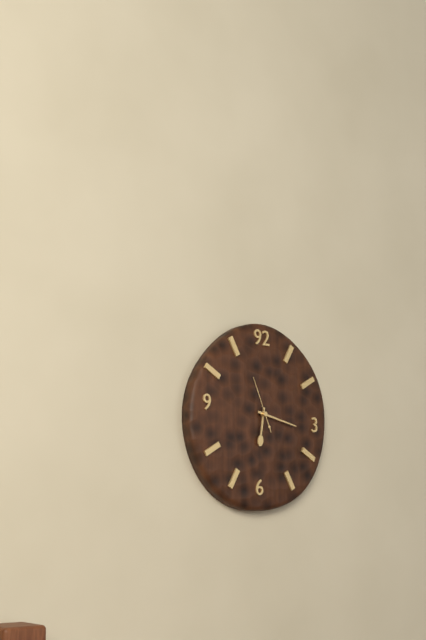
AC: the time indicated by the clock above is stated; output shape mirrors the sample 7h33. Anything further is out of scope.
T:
6h17
